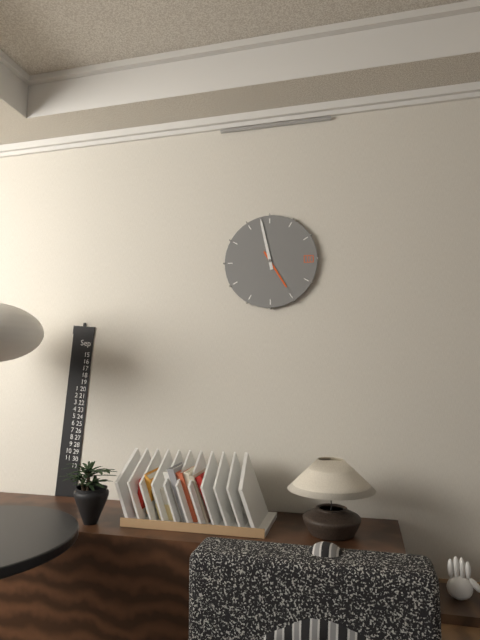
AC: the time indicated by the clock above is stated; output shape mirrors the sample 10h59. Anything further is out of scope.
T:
4h58
